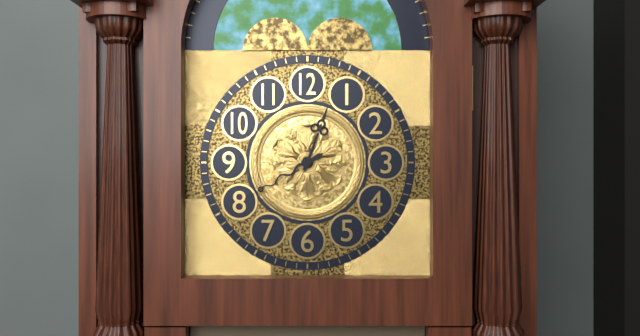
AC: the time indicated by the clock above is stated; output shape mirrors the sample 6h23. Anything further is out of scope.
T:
12h40
